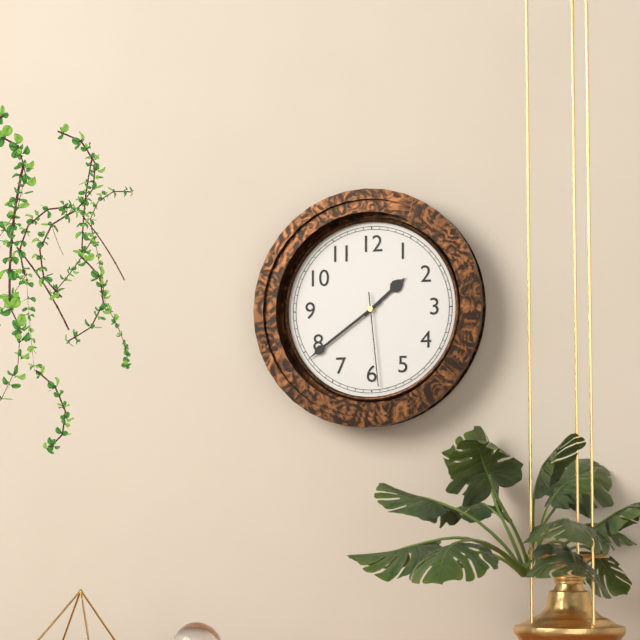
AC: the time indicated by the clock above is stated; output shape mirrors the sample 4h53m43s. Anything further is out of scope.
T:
1h39m29s
